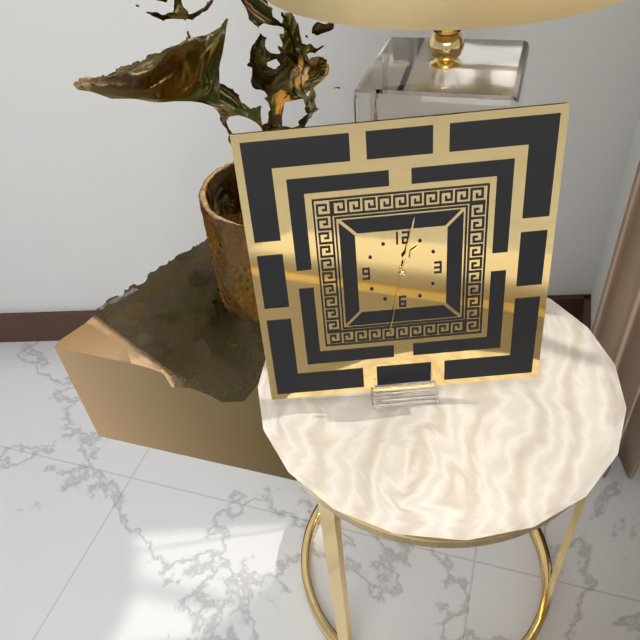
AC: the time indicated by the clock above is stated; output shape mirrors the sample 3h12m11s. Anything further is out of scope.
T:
1h02m32s
